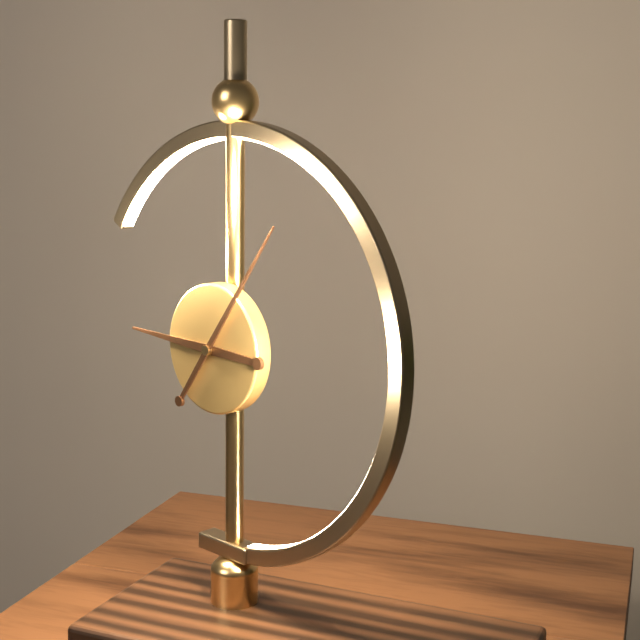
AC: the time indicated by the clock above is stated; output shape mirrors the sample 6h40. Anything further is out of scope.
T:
9h06
